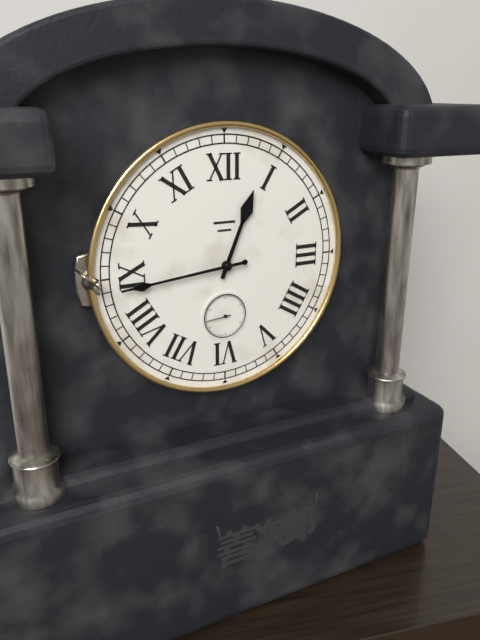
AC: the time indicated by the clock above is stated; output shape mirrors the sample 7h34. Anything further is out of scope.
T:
12h44
